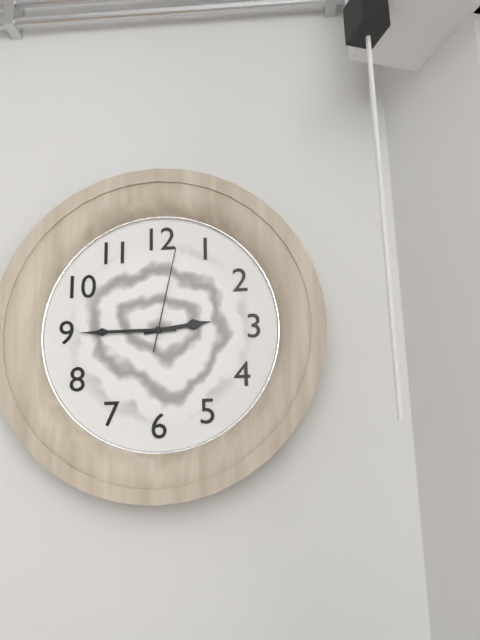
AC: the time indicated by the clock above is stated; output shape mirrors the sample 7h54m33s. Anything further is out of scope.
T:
2h45m02s
